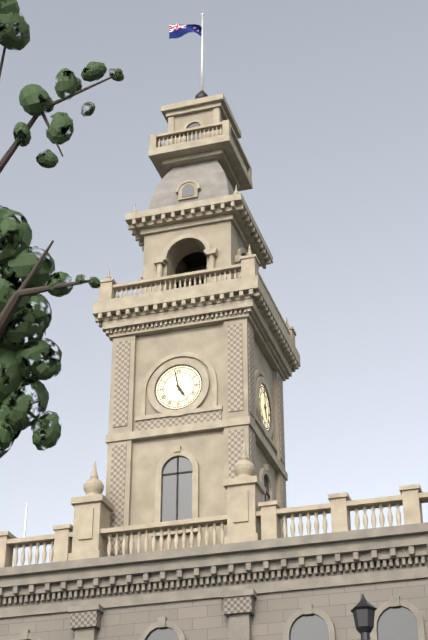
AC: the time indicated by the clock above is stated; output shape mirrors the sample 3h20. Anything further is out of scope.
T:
4h58
